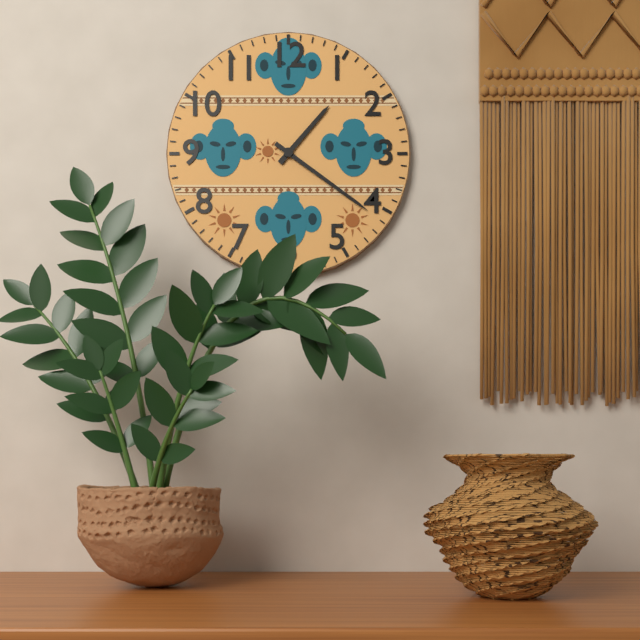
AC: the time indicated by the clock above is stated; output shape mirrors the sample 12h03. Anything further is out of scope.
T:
1h21
